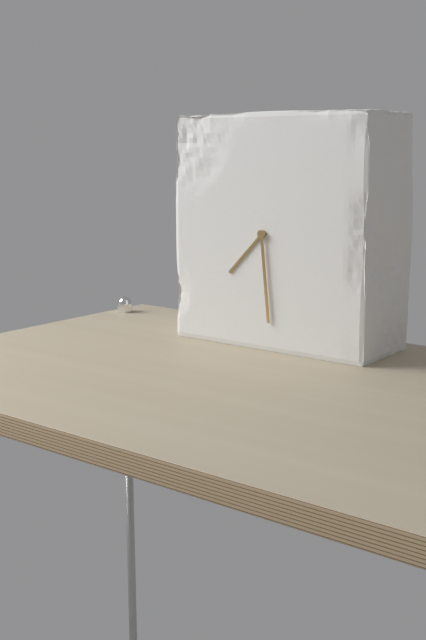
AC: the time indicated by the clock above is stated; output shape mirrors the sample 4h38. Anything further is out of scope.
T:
7h29
